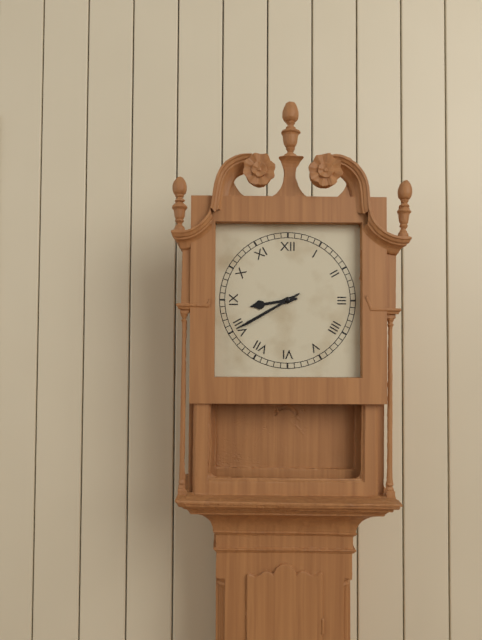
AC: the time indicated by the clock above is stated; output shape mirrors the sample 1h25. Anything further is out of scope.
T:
8h40
